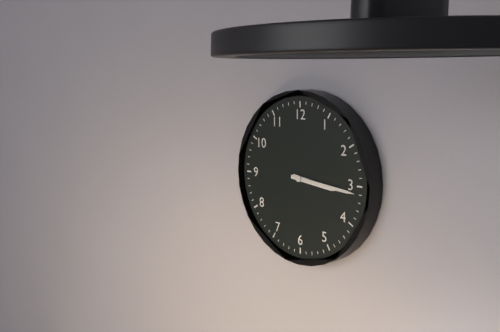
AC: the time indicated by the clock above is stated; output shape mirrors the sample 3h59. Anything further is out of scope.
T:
3h16
